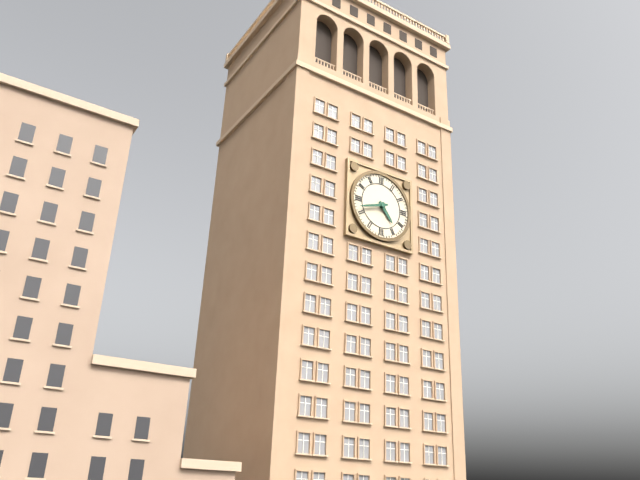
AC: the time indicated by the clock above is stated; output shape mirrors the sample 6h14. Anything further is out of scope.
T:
4h42
